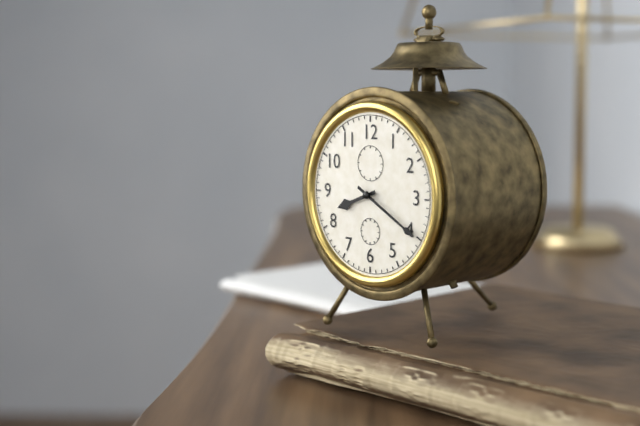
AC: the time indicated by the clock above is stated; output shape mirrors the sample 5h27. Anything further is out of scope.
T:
8h20
